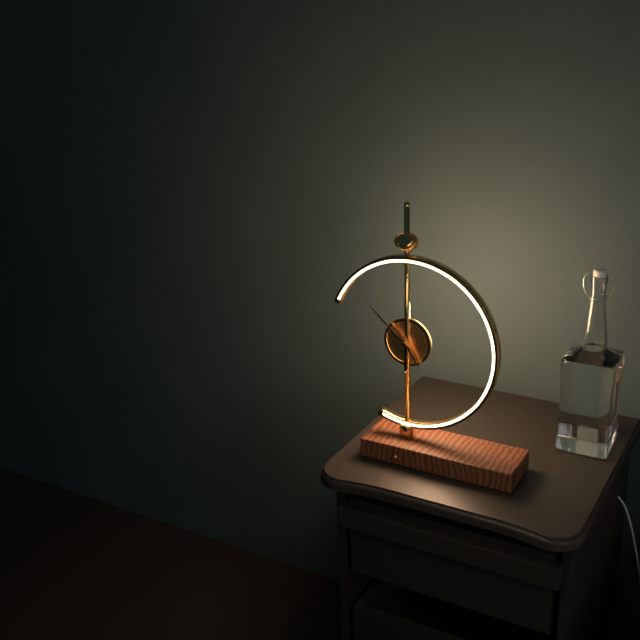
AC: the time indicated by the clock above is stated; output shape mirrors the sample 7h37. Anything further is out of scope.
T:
4h52
